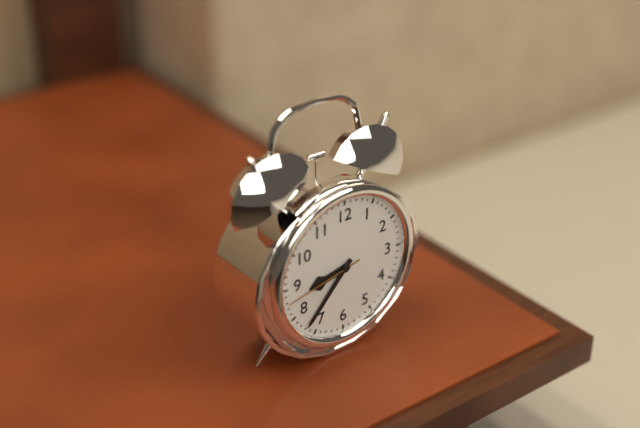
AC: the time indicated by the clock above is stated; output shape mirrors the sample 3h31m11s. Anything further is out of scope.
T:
8h37m43s
